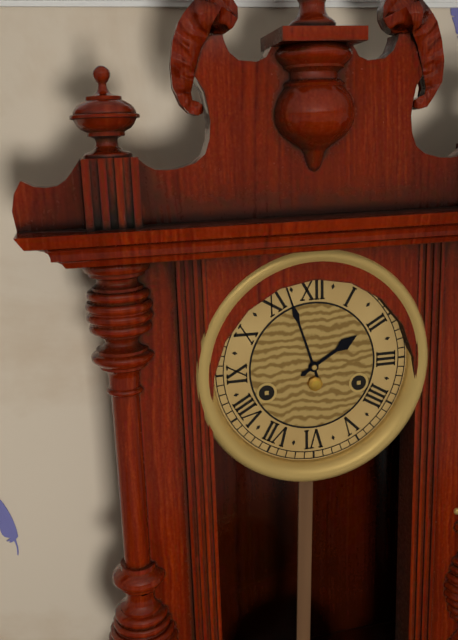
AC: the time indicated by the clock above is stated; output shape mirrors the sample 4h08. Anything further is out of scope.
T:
1h57
